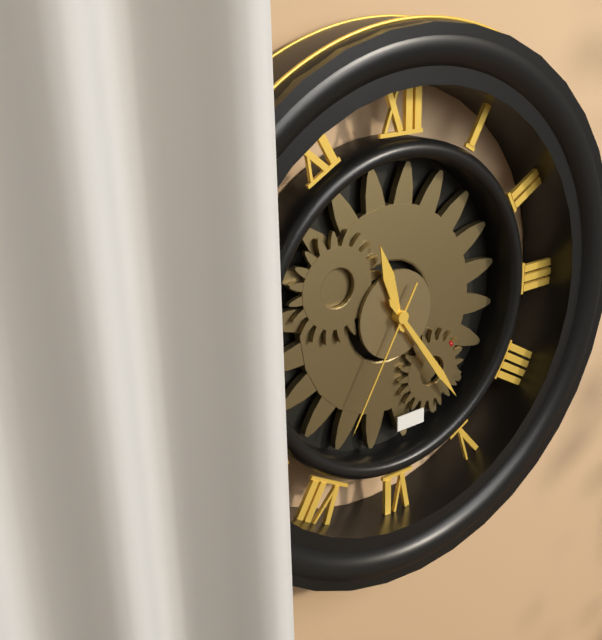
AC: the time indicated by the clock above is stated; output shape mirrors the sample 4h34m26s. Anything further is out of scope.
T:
11h24m35s
